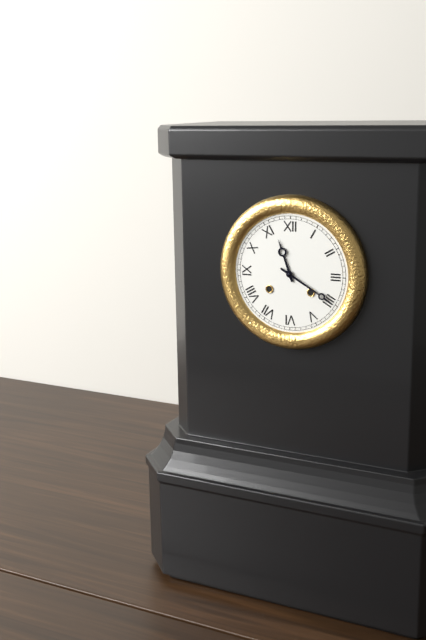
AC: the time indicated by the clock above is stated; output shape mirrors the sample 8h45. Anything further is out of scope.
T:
11h20
